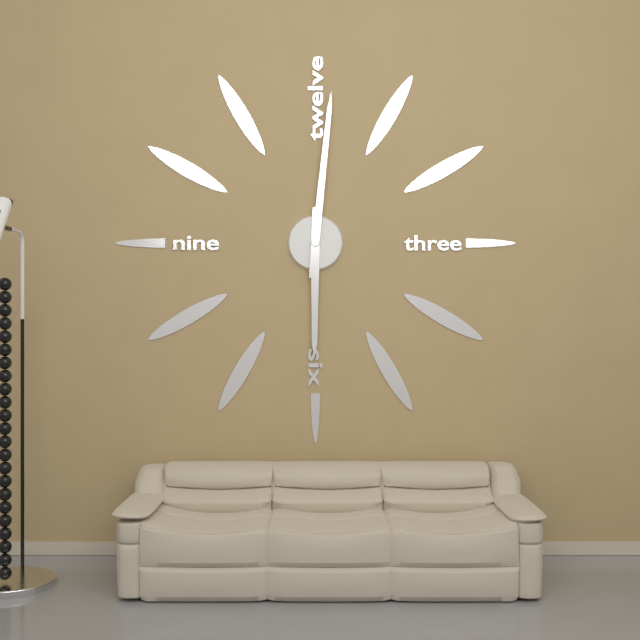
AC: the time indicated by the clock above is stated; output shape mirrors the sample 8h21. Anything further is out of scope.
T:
6h01
